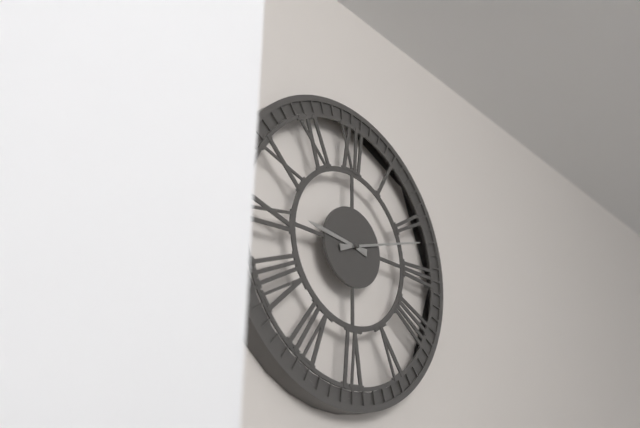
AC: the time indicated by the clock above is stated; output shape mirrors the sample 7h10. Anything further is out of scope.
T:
9h12
